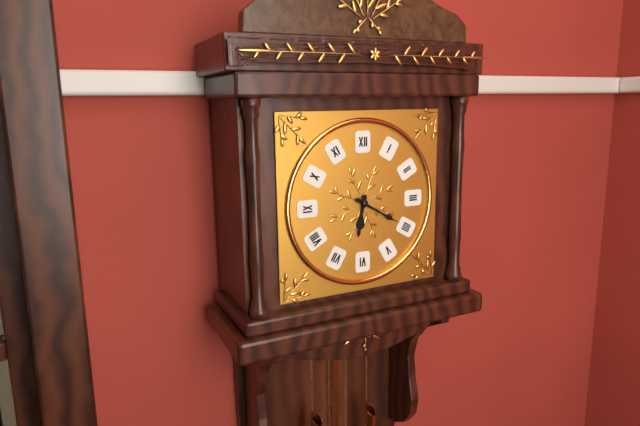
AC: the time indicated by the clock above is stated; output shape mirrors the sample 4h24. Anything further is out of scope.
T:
6h20
